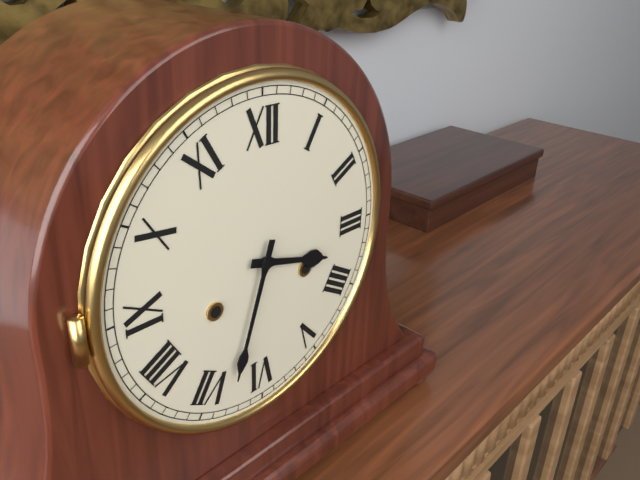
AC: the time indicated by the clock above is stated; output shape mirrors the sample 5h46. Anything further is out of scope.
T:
3h33
